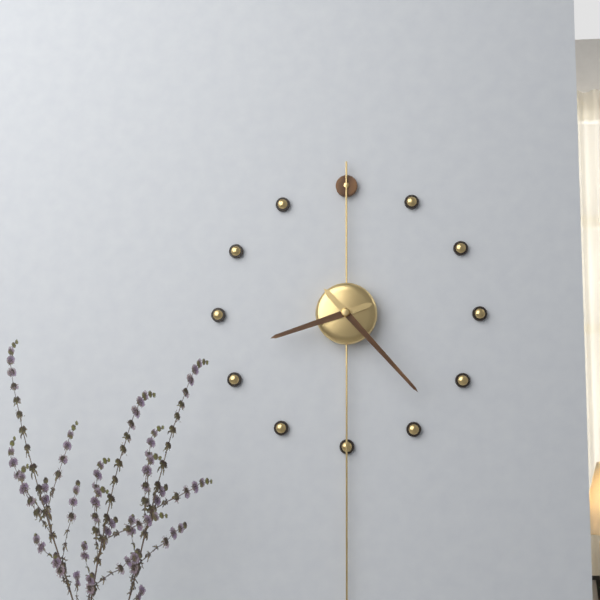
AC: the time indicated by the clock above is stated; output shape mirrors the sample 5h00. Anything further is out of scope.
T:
8h23
